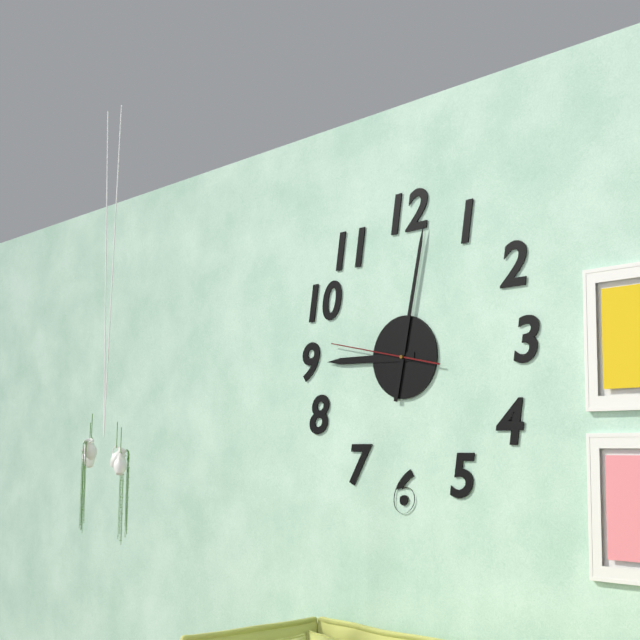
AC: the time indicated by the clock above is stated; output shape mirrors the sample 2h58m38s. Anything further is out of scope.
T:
9h02m47s
